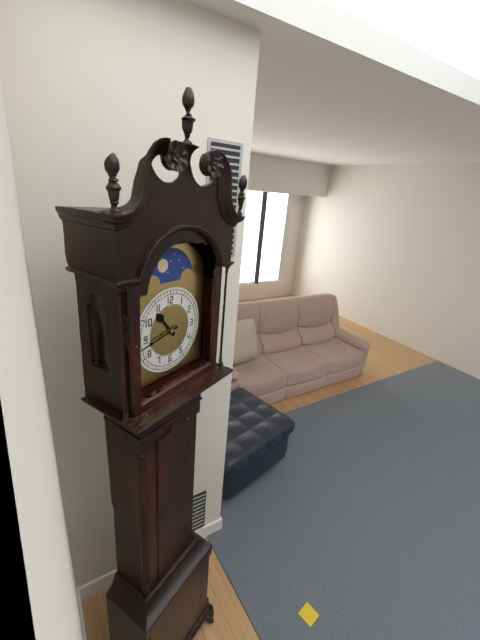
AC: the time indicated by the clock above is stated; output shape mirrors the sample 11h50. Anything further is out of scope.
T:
10h43
